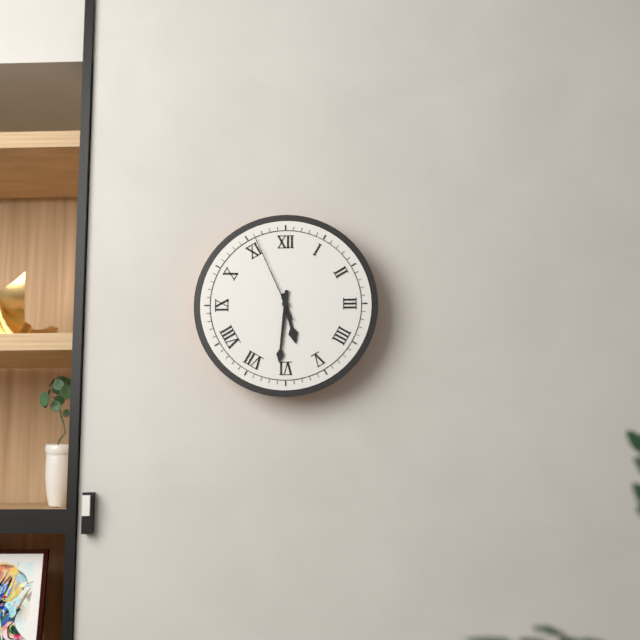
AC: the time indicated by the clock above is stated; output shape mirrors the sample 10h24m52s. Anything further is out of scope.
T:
5h31m56s
